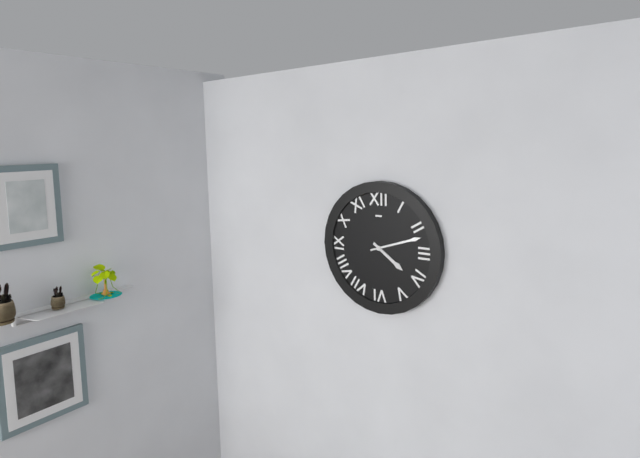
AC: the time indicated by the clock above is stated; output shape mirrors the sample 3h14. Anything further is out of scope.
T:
4h12
